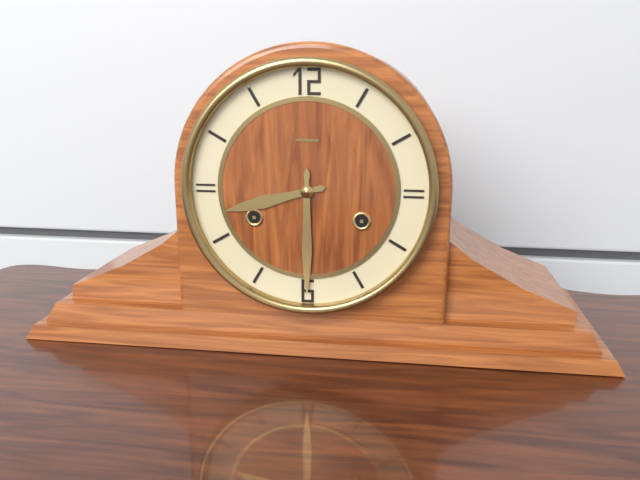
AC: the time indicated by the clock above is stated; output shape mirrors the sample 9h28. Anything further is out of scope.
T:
8h30
